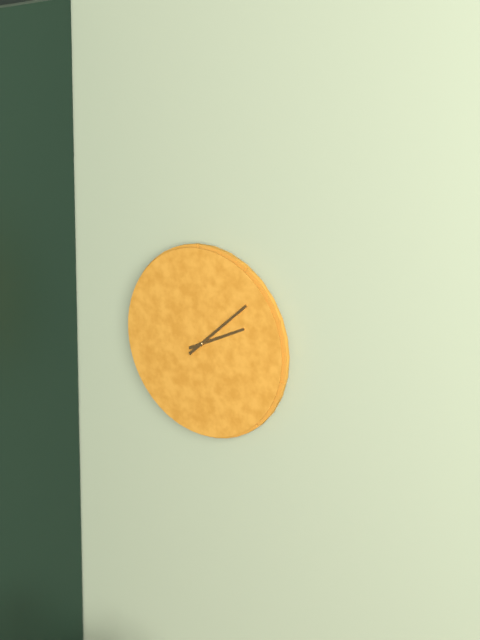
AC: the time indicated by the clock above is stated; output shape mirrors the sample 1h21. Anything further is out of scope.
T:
2h08
